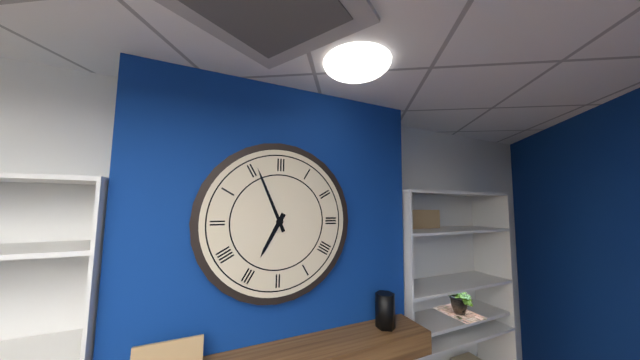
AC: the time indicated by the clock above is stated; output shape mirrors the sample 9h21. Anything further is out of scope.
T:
6h56
